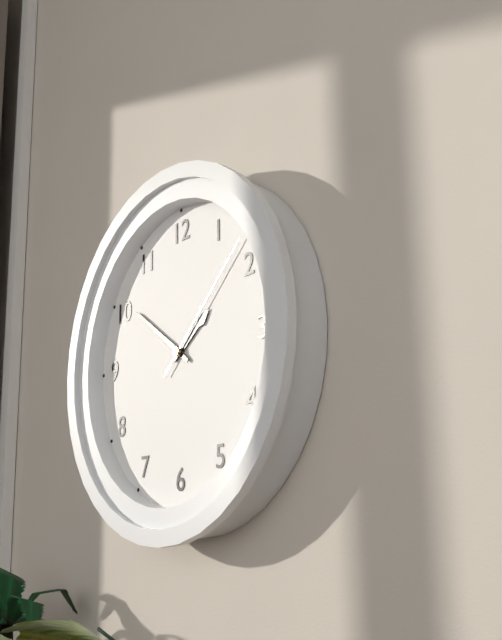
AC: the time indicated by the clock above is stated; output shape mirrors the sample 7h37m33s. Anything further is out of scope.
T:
1h51m08s
